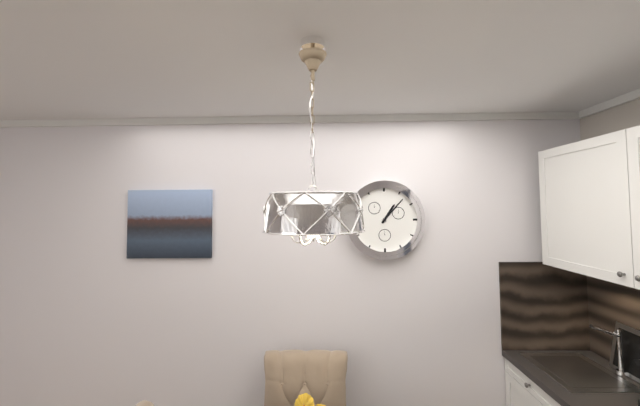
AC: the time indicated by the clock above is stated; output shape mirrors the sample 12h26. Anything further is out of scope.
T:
1h07
